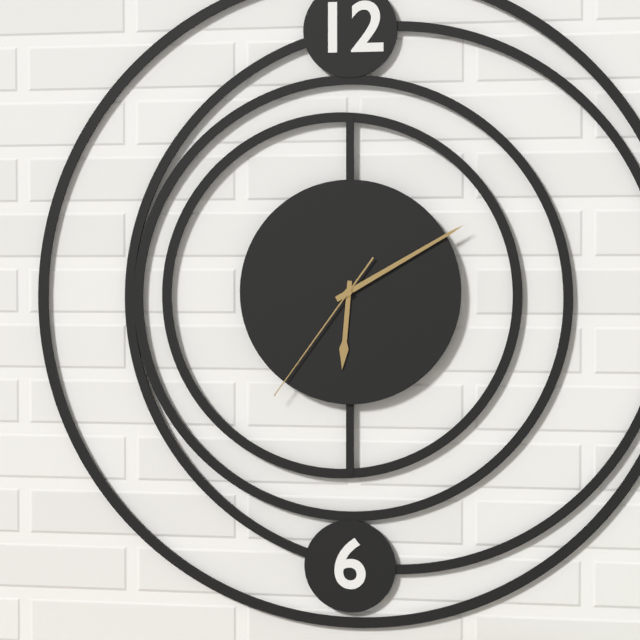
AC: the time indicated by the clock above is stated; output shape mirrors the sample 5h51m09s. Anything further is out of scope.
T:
6h10m36s
